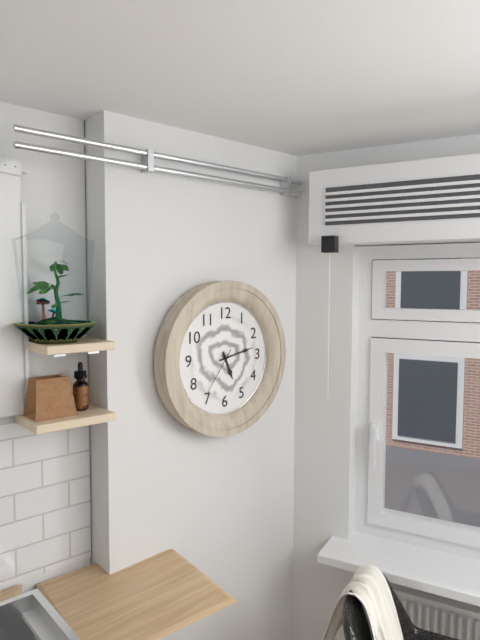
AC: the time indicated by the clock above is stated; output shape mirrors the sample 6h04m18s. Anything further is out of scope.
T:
5h13m36s
